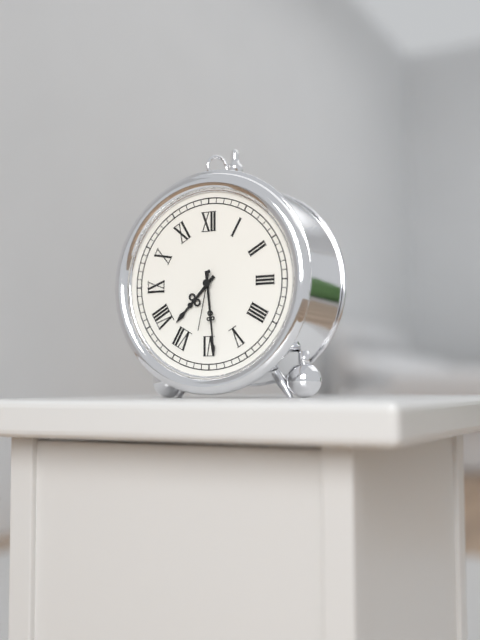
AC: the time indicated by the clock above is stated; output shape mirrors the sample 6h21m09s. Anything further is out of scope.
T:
7h29m32s
